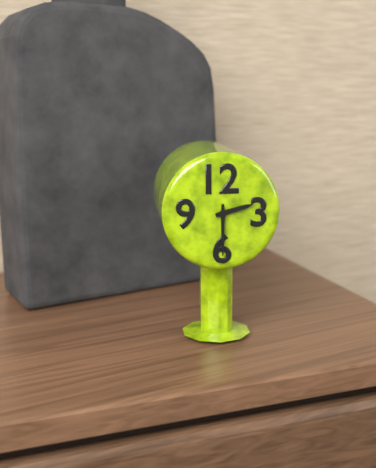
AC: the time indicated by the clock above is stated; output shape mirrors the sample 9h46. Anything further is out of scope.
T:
2h30
